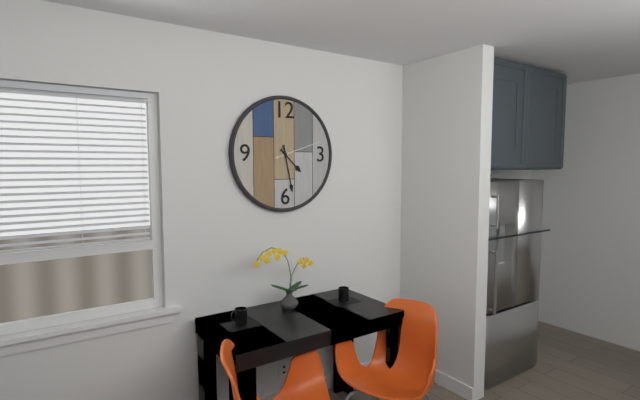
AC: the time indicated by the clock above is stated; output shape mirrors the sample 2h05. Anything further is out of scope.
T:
4h28
